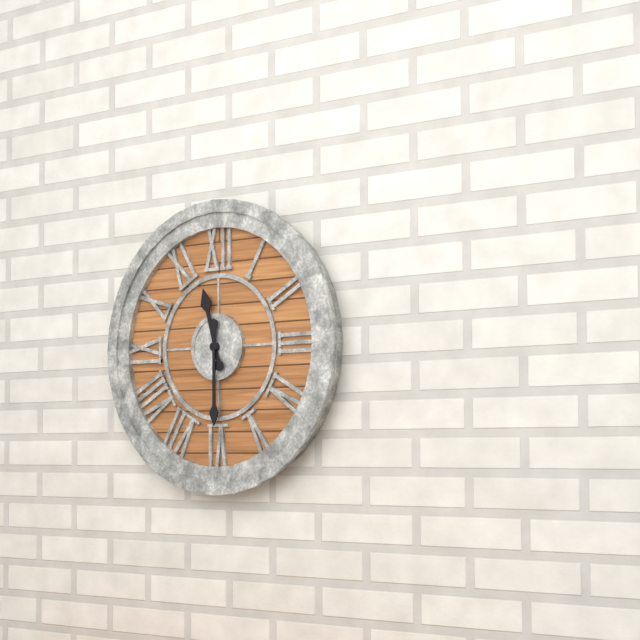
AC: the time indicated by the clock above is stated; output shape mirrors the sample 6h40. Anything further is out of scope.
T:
11h30
